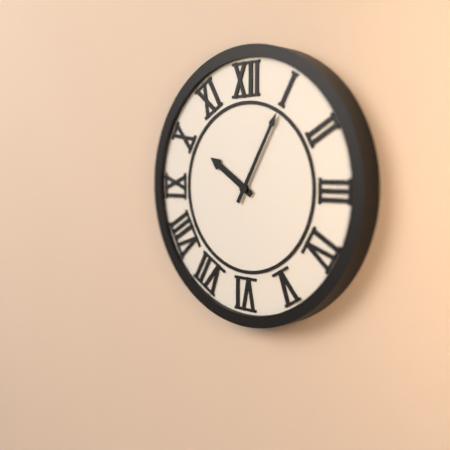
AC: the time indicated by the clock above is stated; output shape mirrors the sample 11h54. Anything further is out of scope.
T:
10h05
